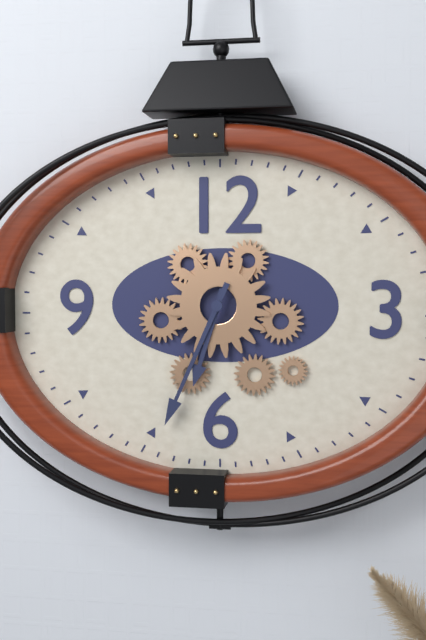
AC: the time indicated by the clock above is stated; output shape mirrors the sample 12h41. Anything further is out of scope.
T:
6h34
